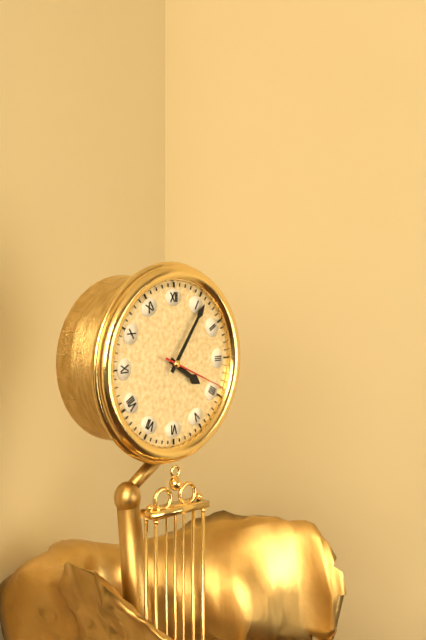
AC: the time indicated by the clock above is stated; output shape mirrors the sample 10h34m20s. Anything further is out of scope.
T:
4h06m19s
